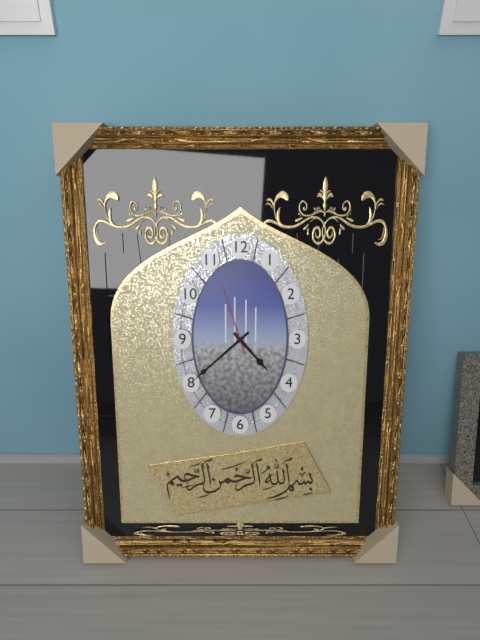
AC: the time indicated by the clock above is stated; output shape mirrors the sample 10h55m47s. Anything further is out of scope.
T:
4h38m57s
